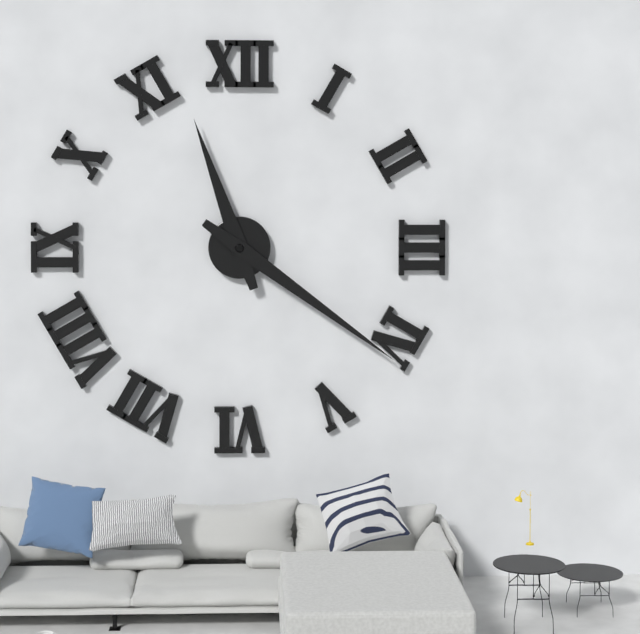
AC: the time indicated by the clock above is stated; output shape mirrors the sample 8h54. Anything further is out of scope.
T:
11h21
